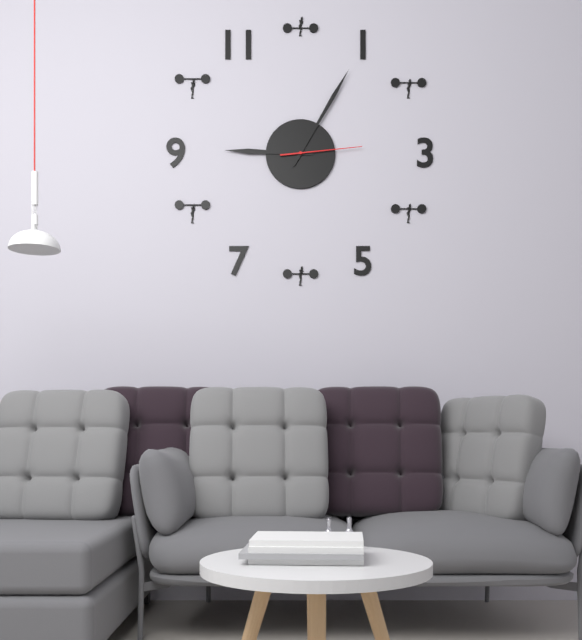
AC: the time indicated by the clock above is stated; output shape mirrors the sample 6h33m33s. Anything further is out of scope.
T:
9h05m14s
